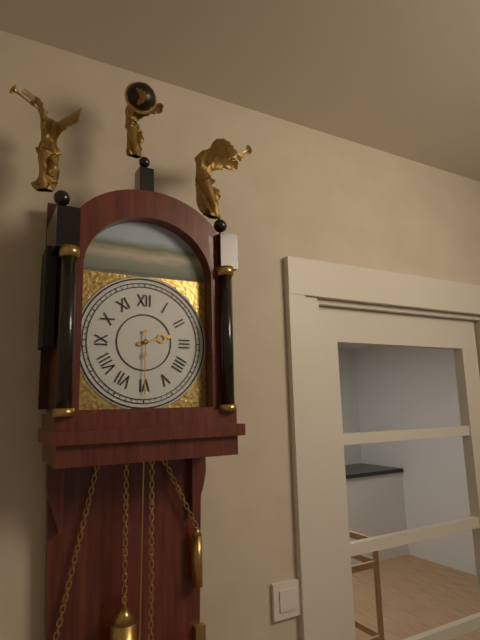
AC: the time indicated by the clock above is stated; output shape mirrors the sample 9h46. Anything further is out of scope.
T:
2h30
